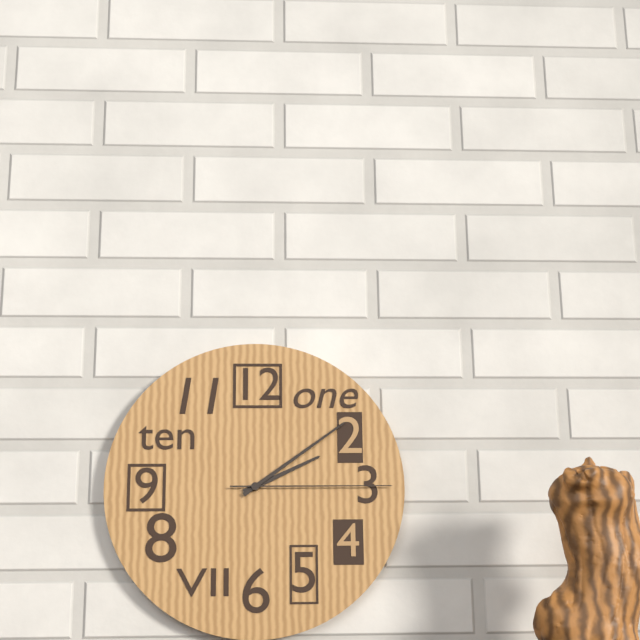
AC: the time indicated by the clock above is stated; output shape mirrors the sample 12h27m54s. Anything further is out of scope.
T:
2h09m15s
